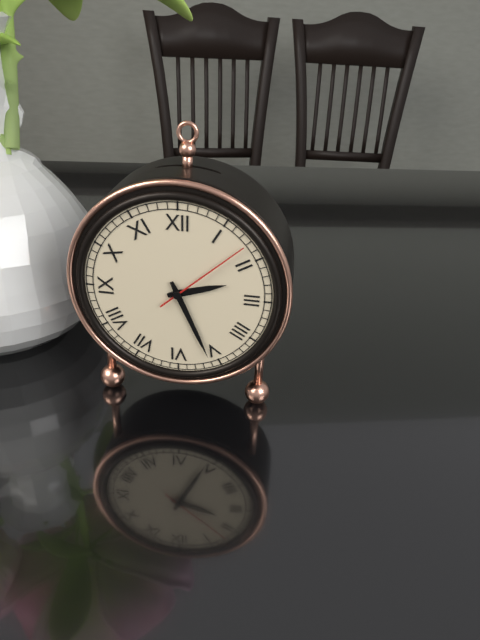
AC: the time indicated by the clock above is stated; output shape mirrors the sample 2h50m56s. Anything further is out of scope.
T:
2h26m08s
